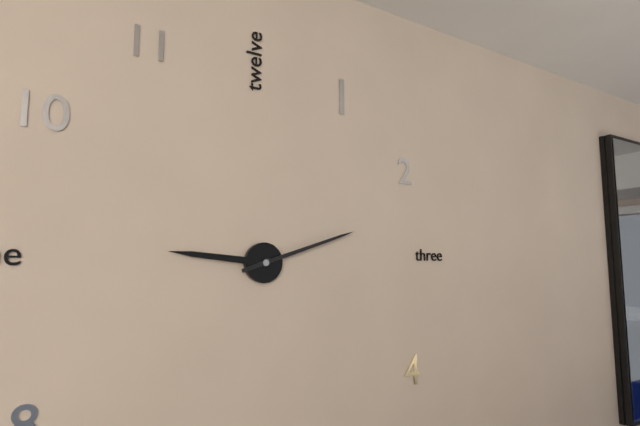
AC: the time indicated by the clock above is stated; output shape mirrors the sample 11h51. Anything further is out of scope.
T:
9h12
